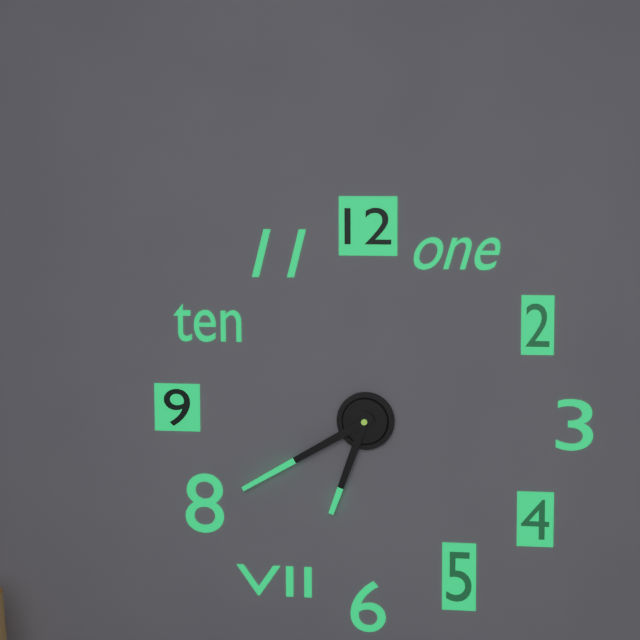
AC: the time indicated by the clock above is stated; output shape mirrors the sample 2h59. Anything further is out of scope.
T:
6h40
